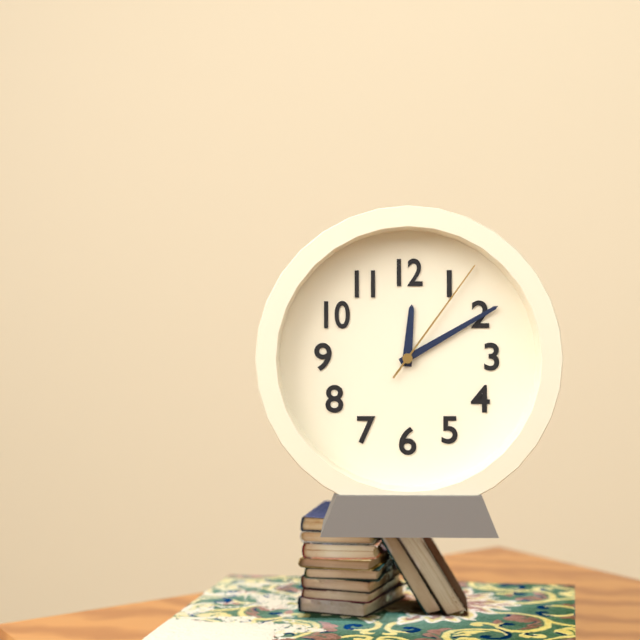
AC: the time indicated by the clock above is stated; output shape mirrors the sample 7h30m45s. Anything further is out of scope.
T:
12h10m06s
